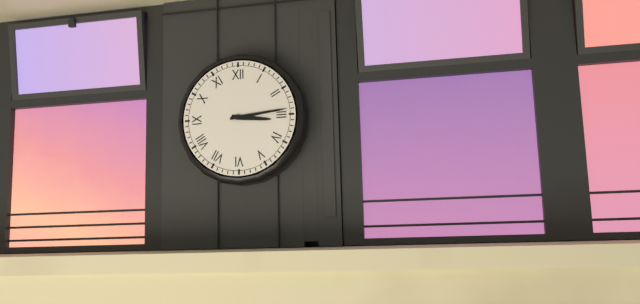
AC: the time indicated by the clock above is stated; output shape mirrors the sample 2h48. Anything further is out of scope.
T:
3h14
